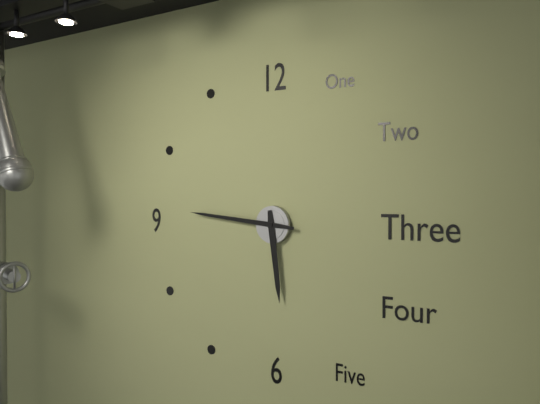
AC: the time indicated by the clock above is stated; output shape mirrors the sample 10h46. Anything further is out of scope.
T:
5h46
